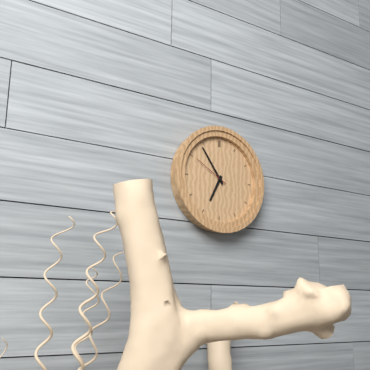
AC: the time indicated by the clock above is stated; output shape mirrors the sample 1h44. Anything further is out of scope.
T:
6h54
